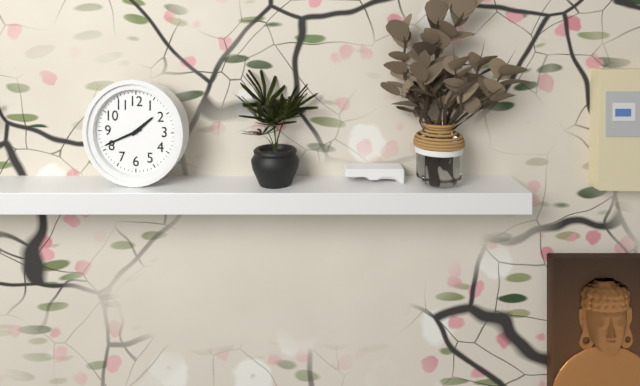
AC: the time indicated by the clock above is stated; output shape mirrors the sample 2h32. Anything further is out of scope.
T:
1h41
